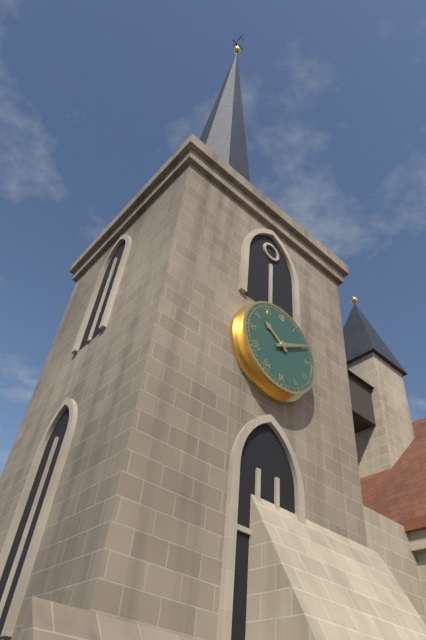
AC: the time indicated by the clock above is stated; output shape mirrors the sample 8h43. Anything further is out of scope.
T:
10h10
